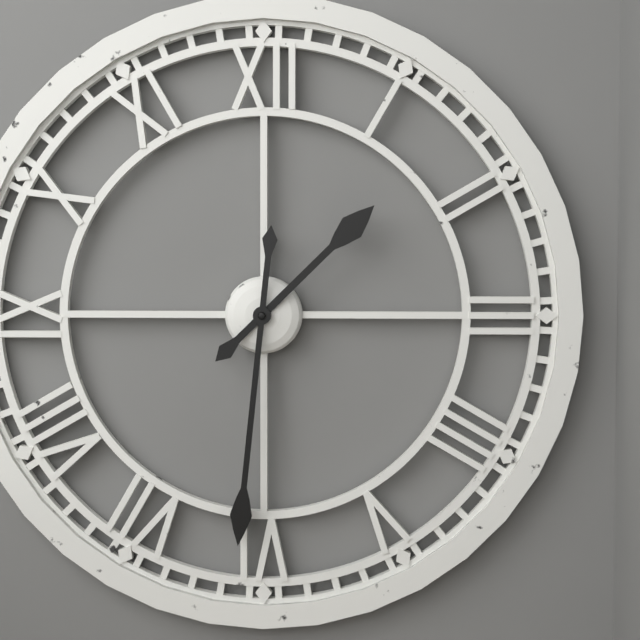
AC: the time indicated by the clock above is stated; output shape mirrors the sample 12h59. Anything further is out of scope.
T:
1h31
